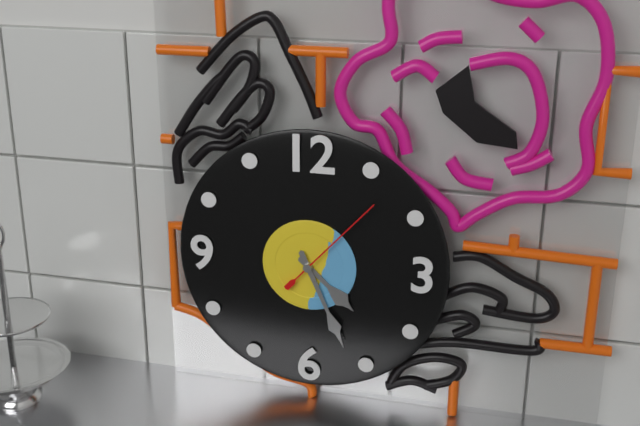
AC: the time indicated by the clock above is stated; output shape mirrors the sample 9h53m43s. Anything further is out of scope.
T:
4h26m07s
